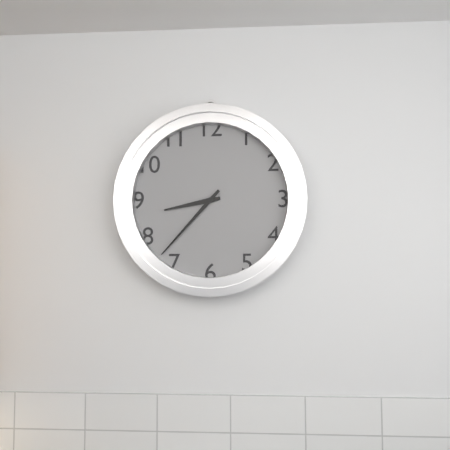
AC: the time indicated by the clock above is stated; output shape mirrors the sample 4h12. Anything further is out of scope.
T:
8h37
